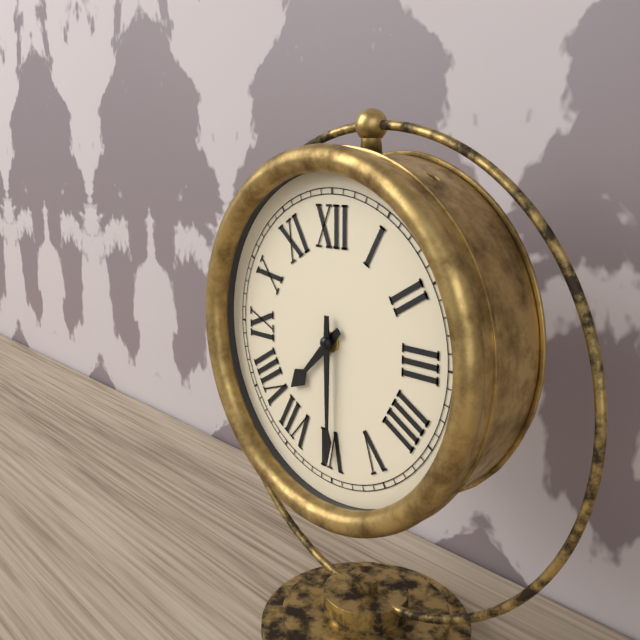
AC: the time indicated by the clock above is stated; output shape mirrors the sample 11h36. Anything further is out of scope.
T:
7h30
